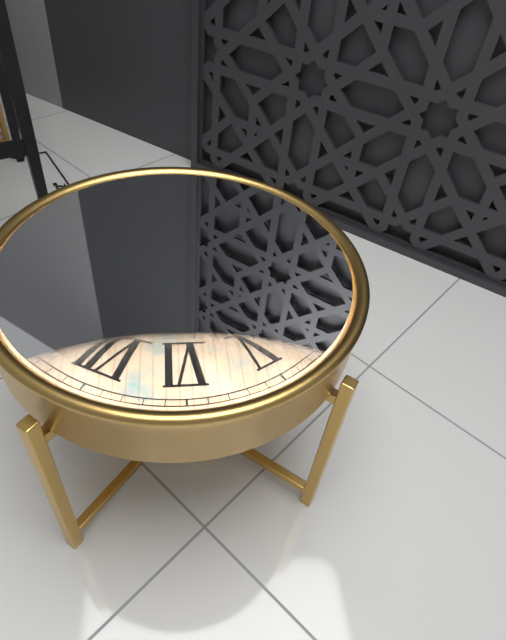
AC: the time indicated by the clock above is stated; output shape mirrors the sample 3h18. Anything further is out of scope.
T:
2h37
